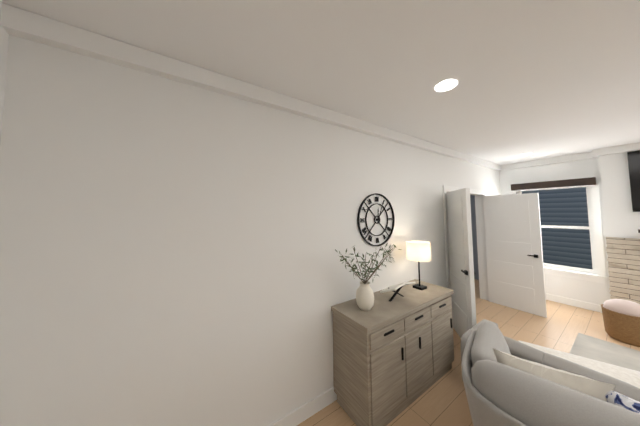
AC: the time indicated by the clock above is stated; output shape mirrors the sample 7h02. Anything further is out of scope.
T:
12h04
